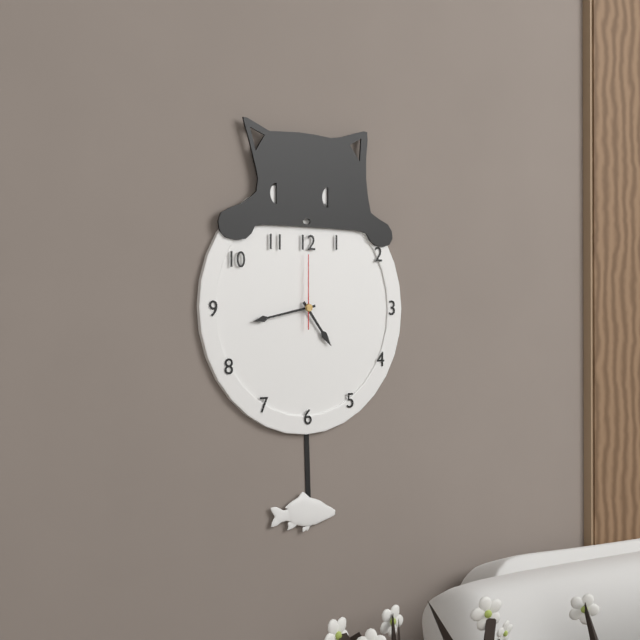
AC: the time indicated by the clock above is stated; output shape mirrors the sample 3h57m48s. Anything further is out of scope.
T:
4h43m00s
